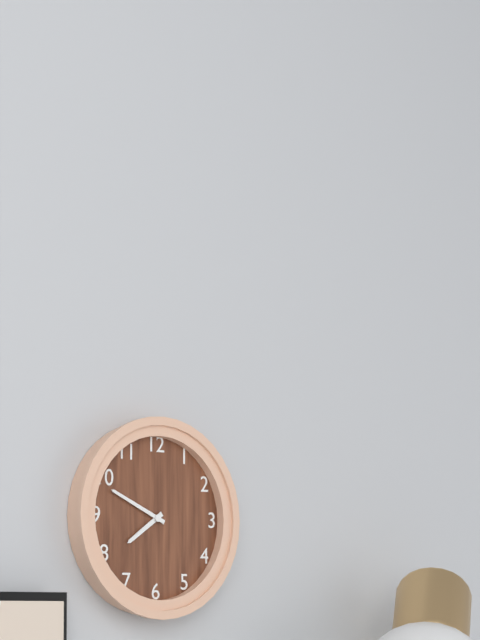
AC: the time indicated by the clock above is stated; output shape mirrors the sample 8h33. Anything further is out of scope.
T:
7h49
